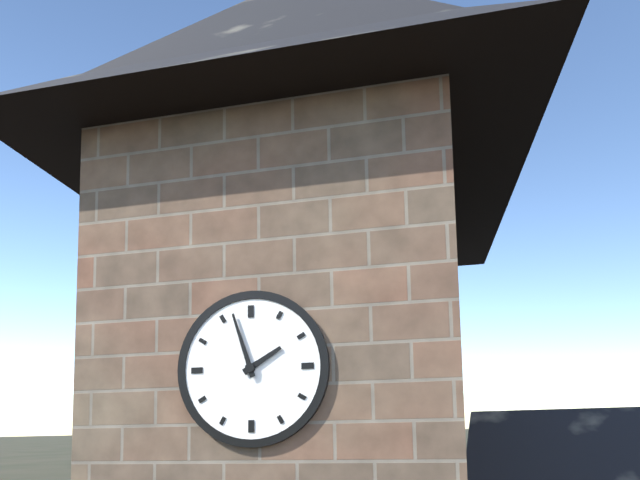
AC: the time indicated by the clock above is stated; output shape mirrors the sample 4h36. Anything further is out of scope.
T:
1h57
